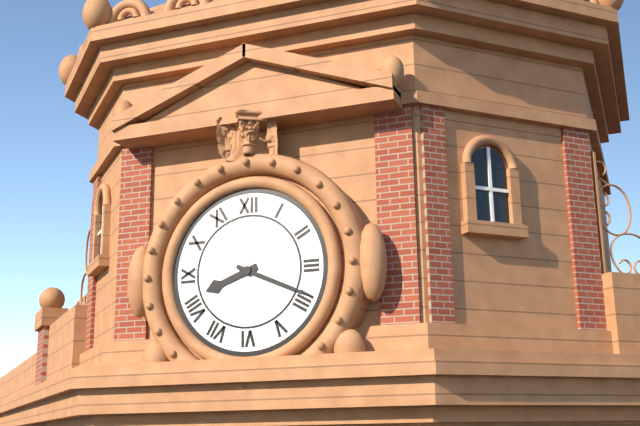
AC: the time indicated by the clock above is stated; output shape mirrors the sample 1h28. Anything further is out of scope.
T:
8h19
